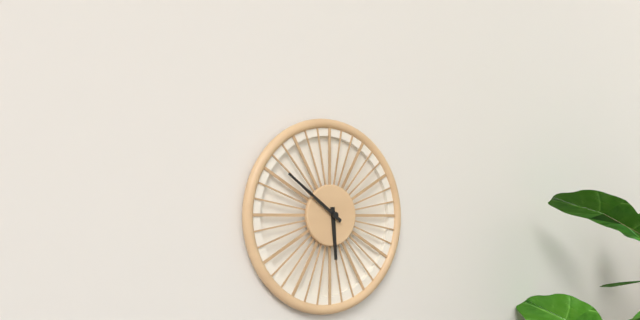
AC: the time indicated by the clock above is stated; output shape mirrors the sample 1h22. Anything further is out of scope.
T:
5h51
